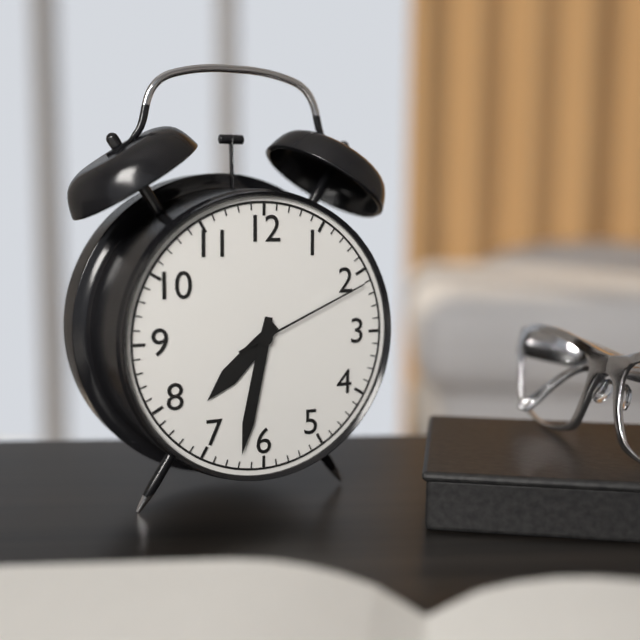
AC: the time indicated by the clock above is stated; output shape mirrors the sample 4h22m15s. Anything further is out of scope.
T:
7h32m11s
